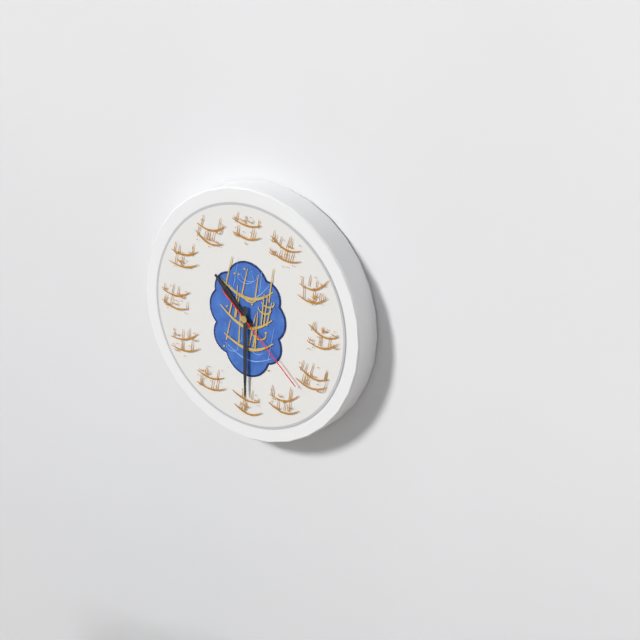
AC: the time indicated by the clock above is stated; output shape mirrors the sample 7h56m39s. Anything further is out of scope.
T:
10h30m22s
